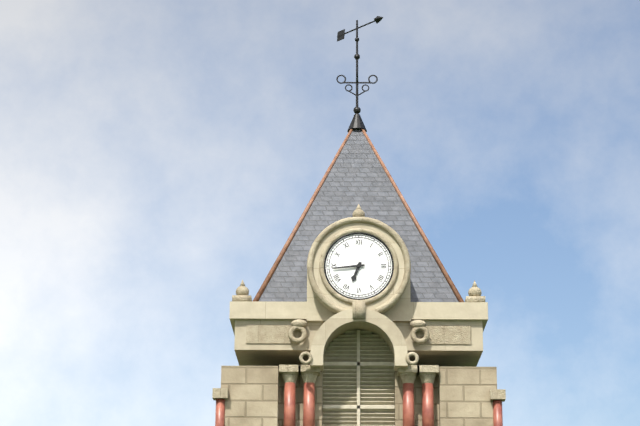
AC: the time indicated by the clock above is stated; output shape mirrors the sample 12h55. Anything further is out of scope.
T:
6h44
